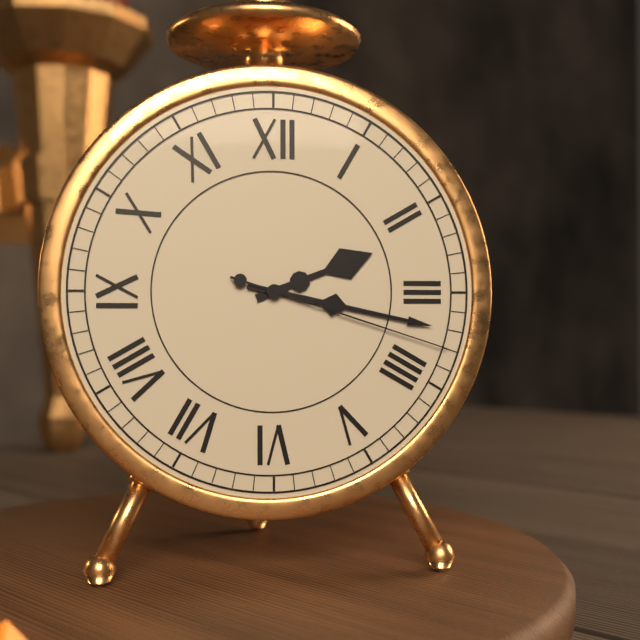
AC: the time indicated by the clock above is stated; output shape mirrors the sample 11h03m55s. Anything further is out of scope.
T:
2h17m18s
